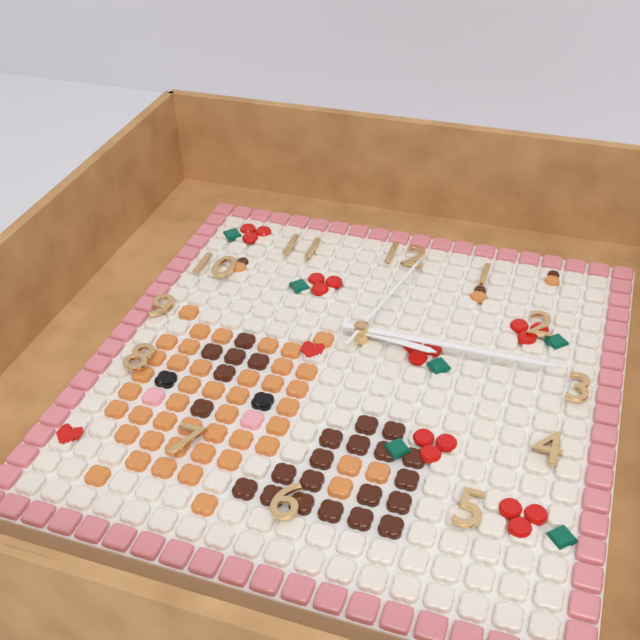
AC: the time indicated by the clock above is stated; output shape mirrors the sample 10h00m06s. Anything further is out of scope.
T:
3h15m02s
